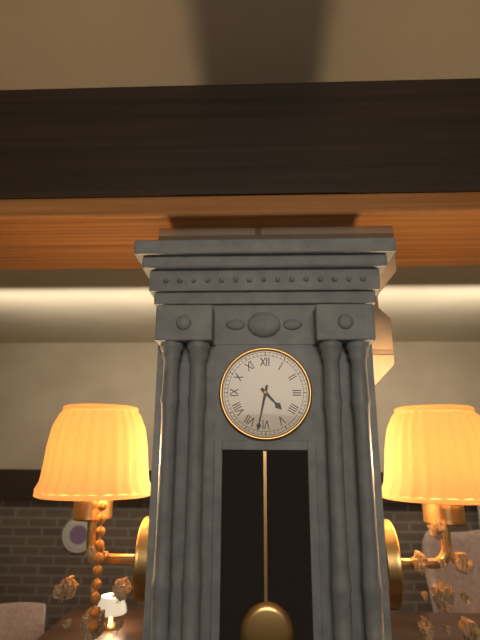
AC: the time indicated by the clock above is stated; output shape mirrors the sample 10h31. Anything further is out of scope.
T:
4h32
